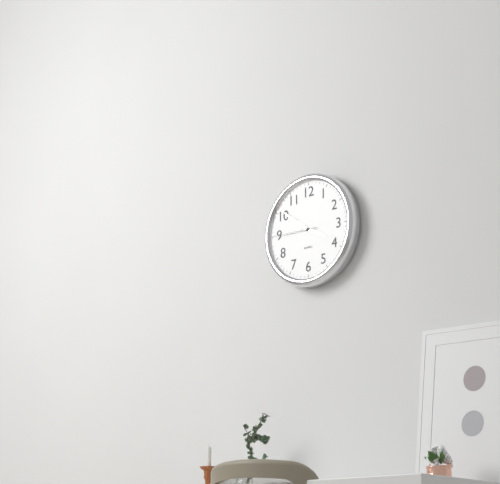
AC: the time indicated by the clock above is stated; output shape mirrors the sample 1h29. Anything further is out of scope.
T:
3h51
